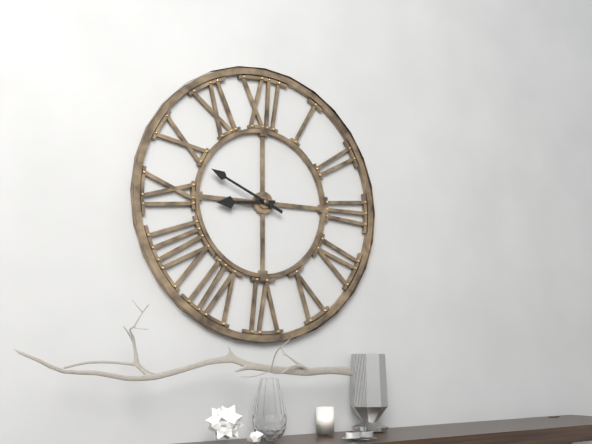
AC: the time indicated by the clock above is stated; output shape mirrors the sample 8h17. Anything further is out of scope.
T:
8h49
